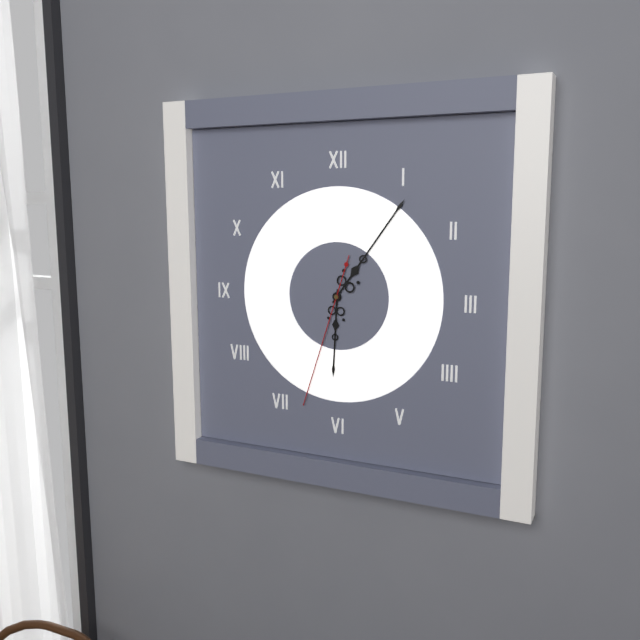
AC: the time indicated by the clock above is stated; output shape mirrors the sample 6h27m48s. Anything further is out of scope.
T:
6h06m33s
